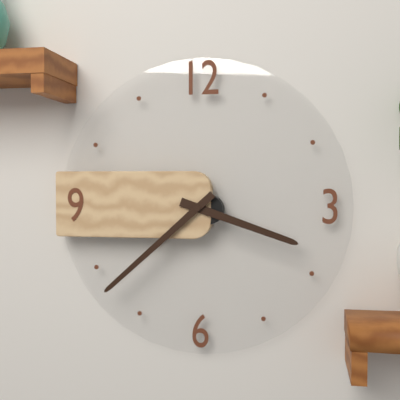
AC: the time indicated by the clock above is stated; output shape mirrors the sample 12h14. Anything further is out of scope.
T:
3h38
